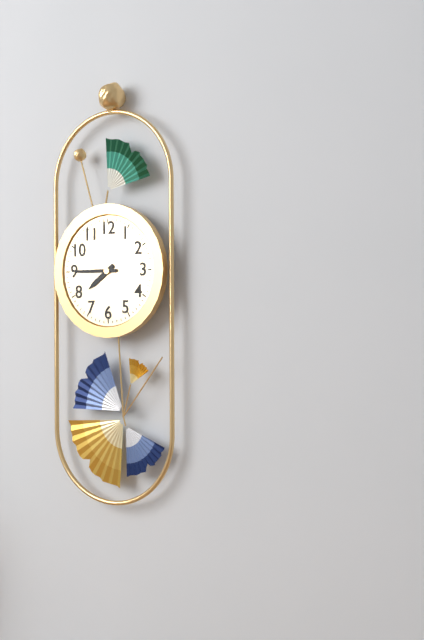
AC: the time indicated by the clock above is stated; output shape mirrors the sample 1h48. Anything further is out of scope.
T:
7h45
